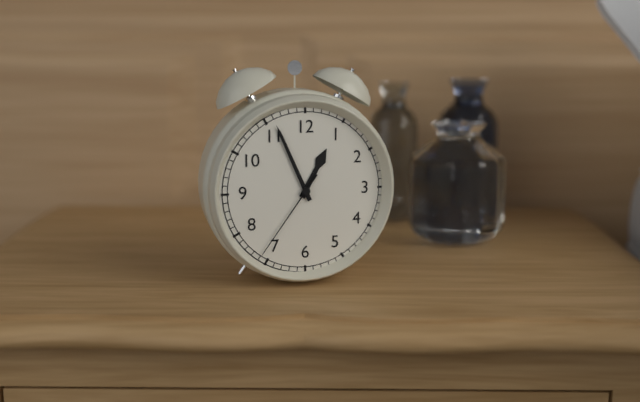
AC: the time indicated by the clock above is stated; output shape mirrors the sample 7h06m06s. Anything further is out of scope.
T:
12h56m36s
